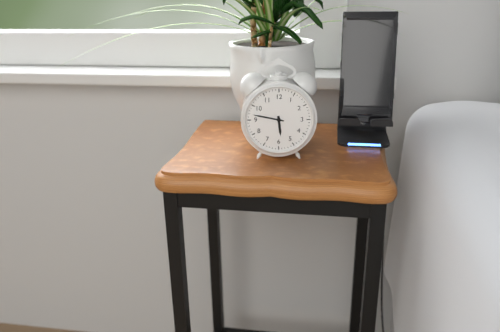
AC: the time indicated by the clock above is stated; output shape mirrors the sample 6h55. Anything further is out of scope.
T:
5h47
